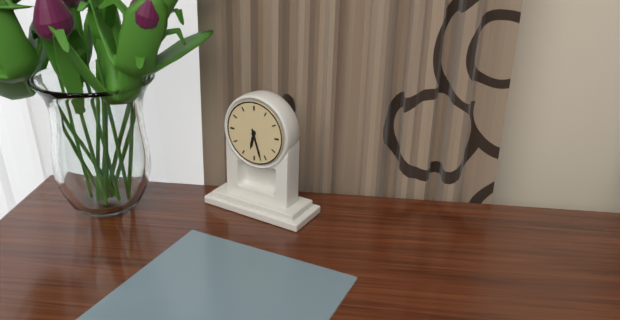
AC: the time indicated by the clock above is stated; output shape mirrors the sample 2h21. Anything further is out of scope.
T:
6h27
